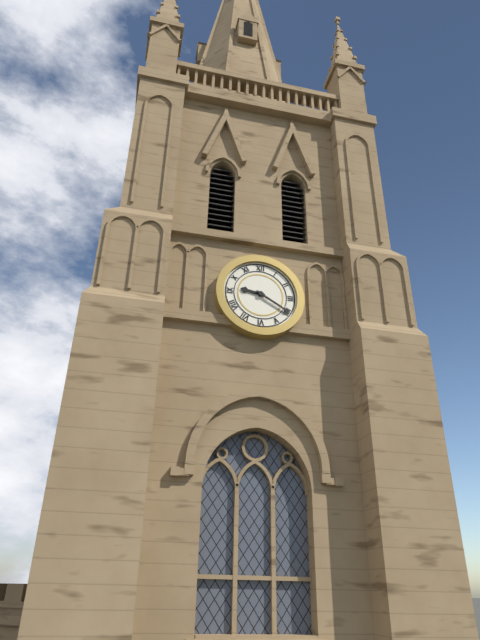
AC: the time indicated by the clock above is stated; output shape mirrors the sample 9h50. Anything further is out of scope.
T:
9h20
